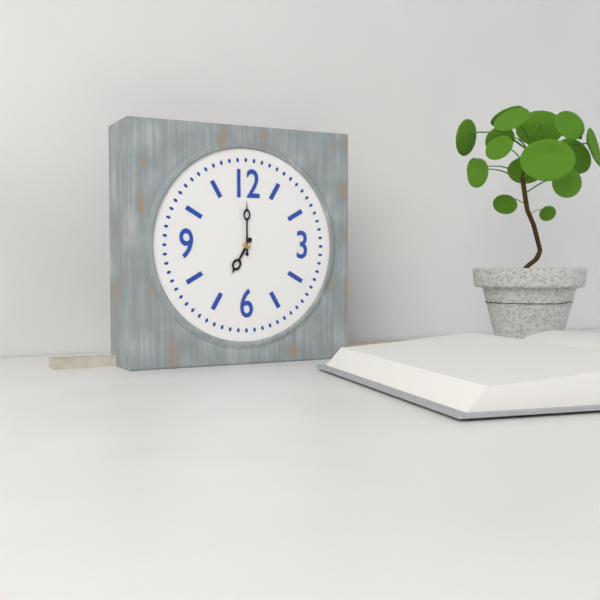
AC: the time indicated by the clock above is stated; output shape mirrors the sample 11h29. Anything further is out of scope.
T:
7h00
